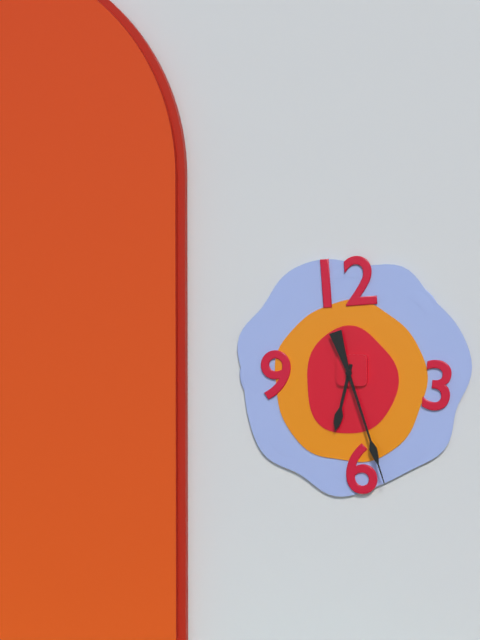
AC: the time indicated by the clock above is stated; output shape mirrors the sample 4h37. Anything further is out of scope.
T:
6h27
